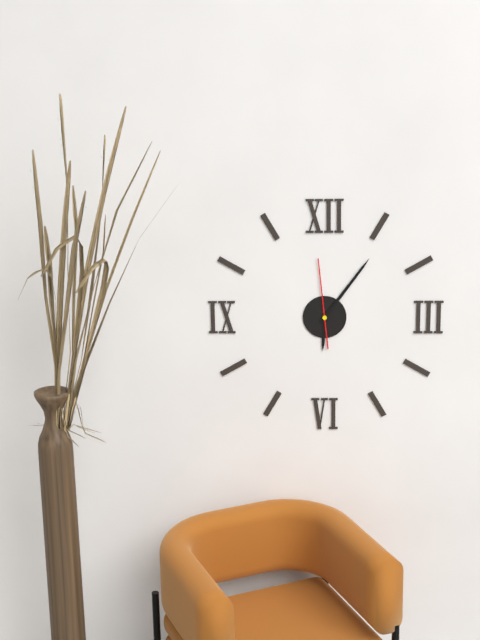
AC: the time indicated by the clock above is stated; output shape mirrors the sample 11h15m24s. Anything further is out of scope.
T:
6h06m59s
